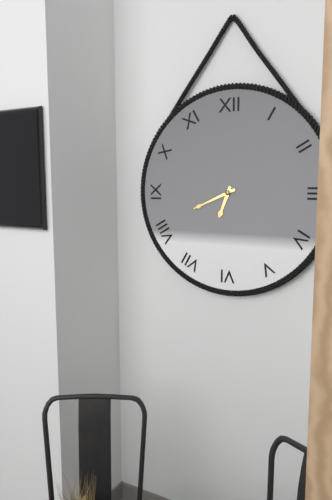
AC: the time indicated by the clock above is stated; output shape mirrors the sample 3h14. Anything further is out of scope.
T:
6h41
